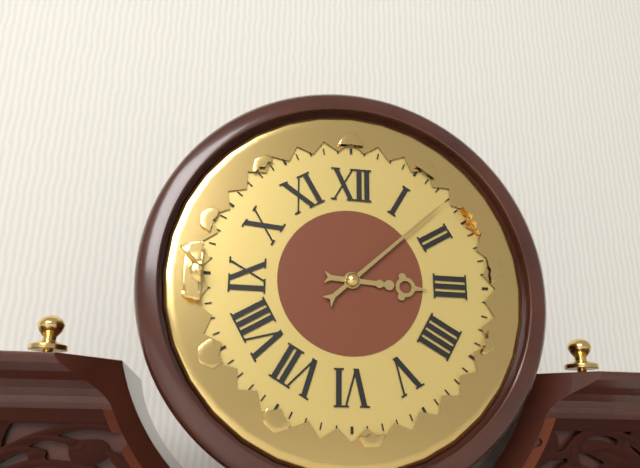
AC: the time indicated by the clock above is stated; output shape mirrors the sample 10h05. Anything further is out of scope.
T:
3h08
